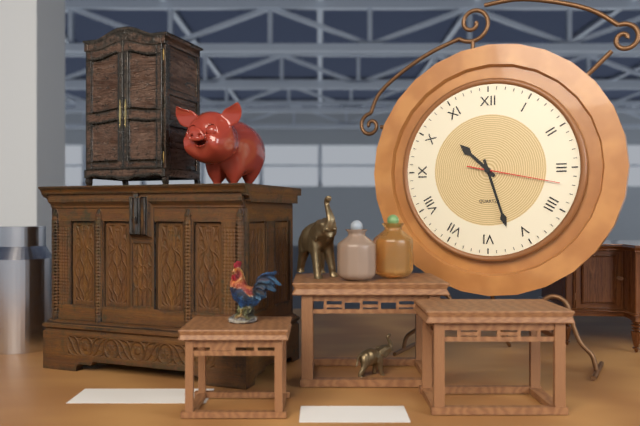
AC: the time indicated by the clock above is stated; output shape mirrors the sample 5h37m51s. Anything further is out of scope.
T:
10h27m17s
